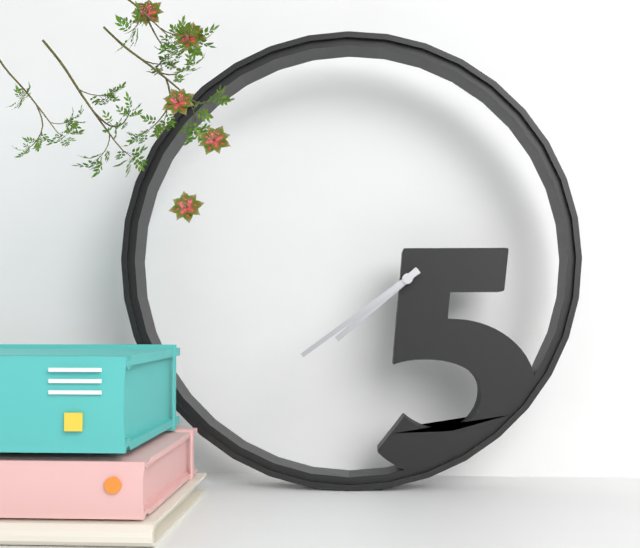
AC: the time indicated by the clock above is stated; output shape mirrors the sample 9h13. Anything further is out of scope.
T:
7h39
